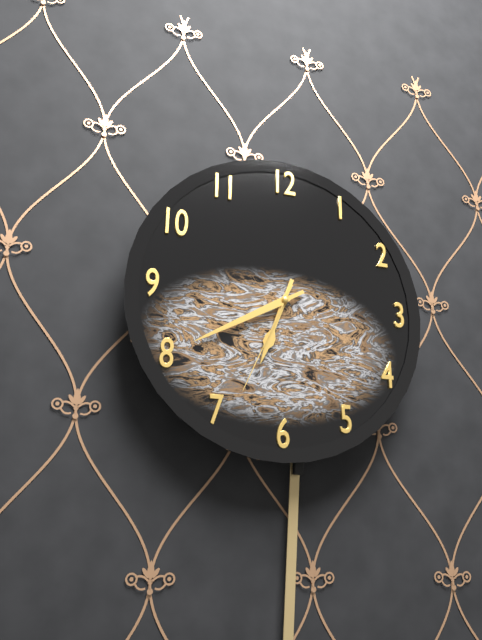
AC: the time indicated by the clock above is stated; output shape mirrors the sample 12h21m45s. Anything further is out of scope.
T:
6h40m34s
